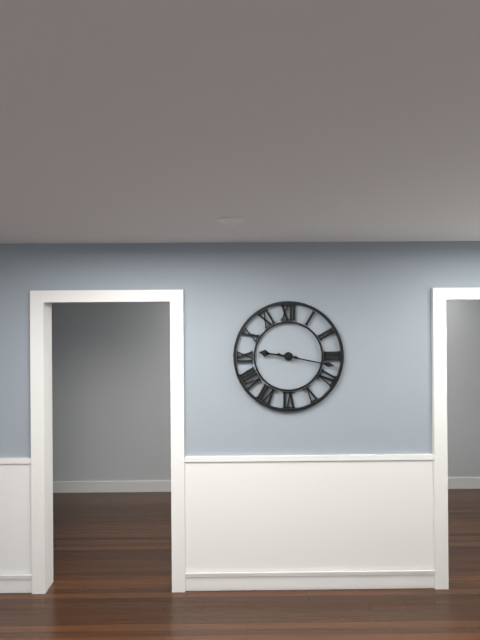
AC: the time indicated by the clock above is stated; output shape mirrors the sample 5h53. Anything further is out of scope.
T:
9h17
